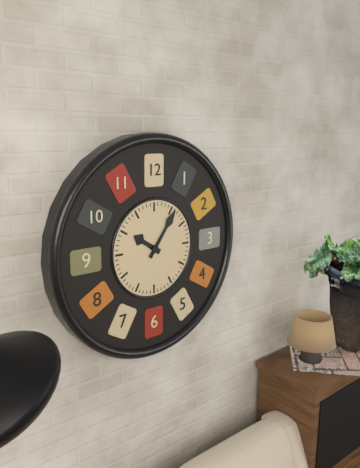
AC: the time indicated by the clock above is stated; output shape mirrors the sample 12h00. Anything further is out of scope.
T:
10h06
